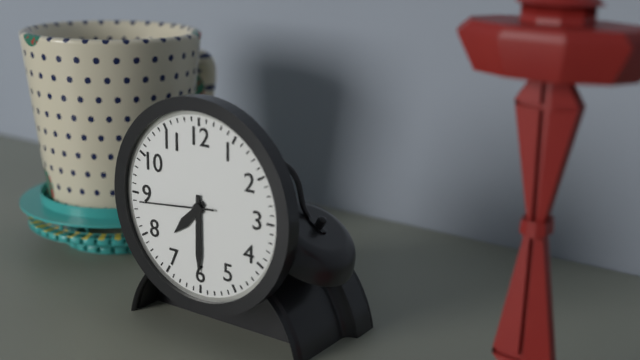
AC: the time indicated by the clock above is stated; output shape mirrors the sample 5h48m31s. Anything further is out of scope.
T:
7h30m44s
